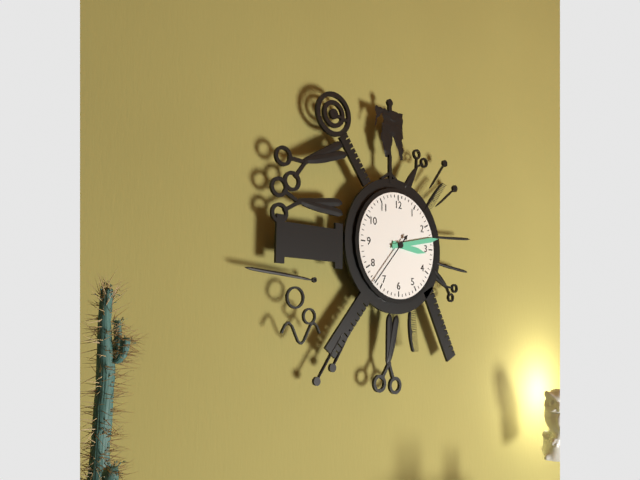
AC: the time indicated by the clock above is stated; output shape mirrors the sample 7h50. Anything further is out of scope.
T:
3h13
